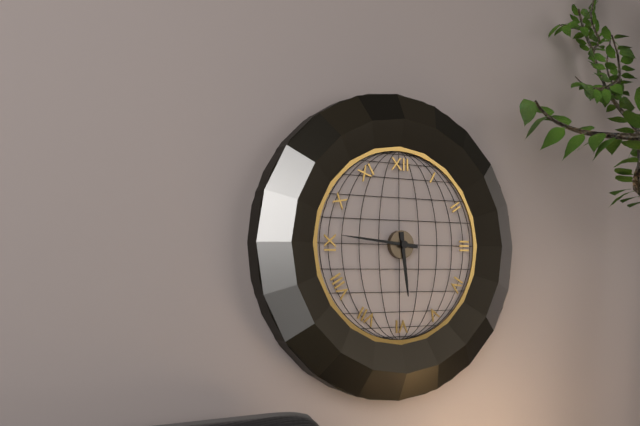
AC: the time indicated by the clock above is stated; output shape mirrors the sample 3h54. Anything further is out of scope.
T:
5h46
